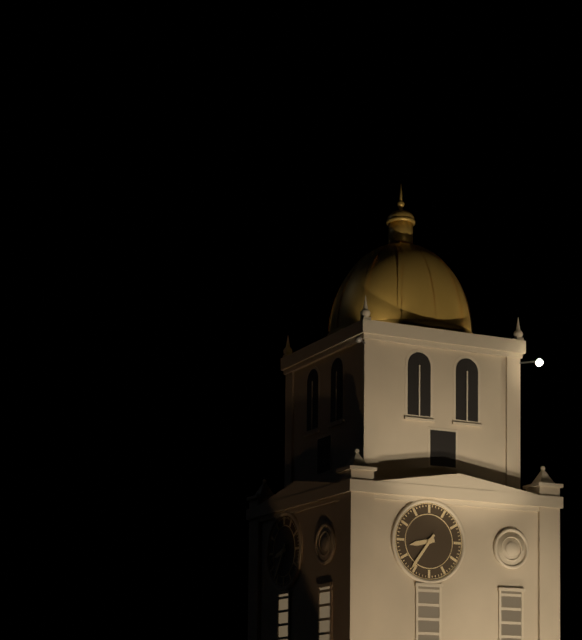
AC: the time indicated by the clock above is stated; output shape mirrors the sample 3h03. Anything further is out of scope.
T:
8h36
